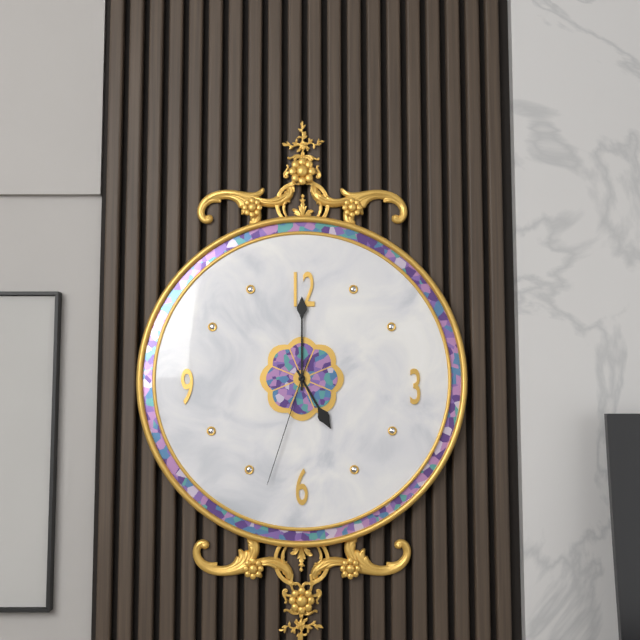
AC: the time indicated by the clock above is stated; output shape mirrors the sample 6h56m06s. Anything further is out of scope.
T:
5h00m33s
